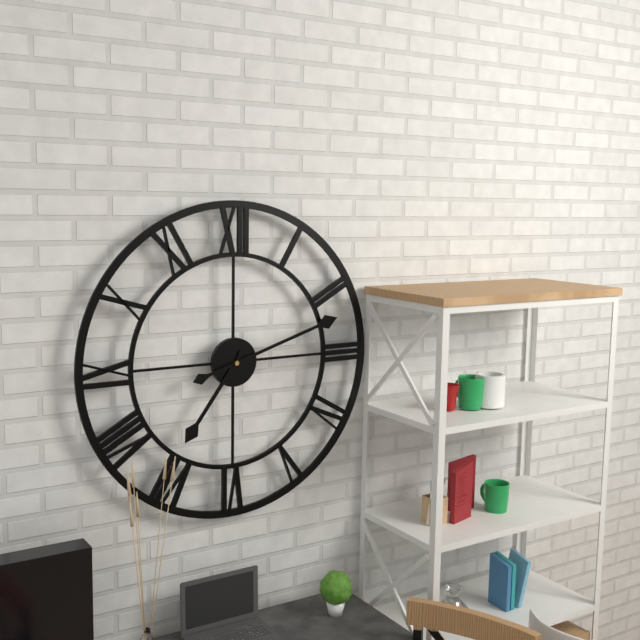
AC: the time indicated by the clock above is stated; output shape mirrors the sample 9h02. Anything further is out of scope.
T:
7h12
